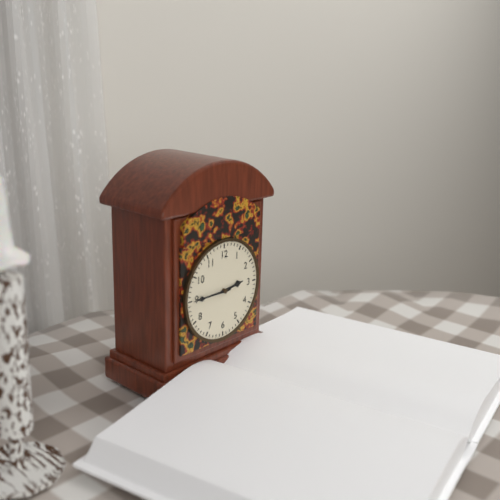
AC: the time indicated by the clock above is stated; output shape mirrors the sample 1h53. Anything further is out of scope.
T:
2h45
